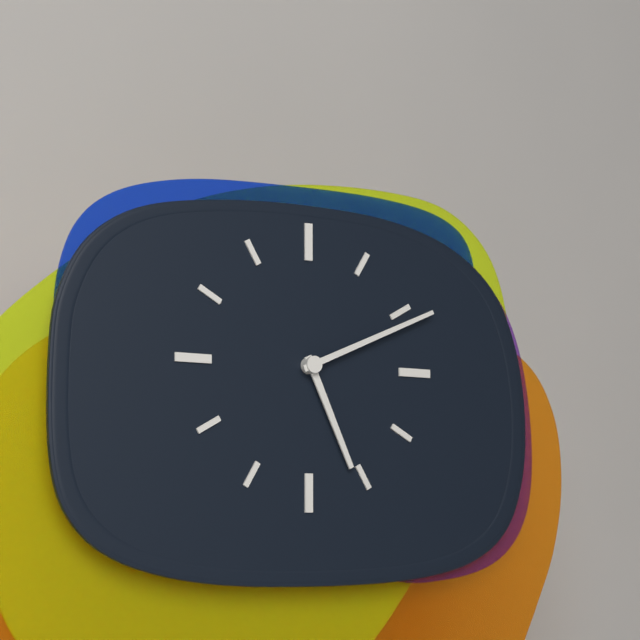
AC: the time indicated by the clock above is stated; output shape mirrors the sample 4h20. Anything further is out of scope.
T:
5h11
